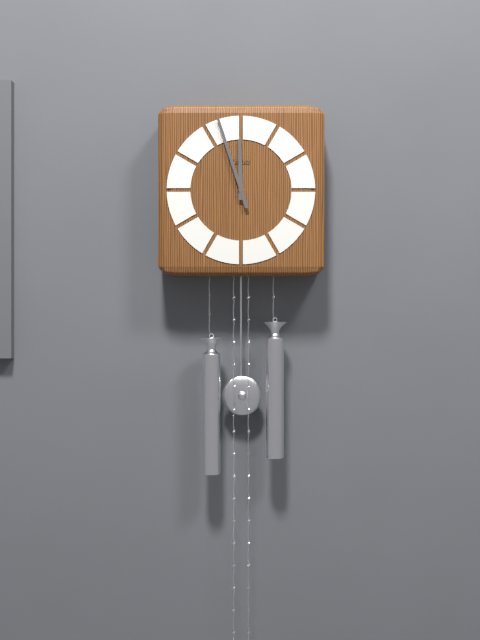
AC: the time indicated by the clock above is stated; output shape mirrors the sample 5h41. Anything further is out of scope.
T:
11h57
